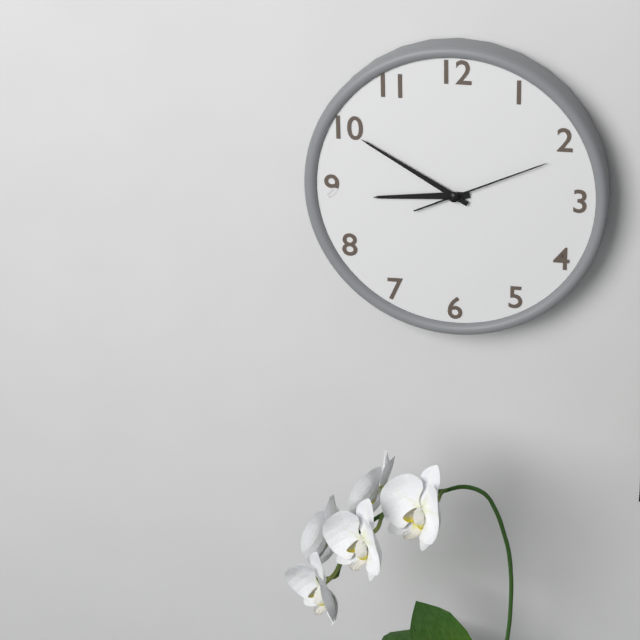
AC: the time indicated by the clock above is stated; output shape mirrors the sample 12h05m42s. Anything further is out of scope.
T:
8h50m11s
